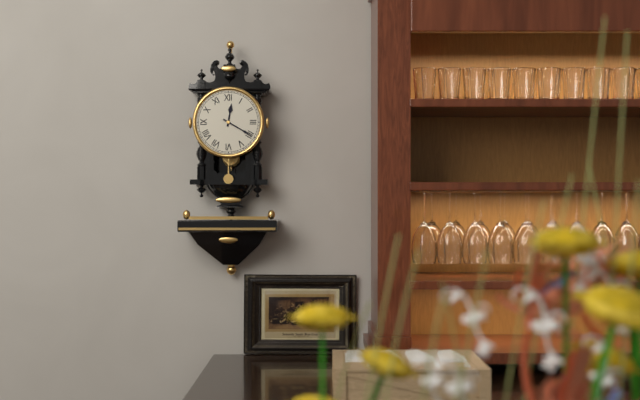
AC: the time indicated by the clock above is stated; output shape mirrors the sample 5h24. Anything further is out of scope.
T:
12h20
